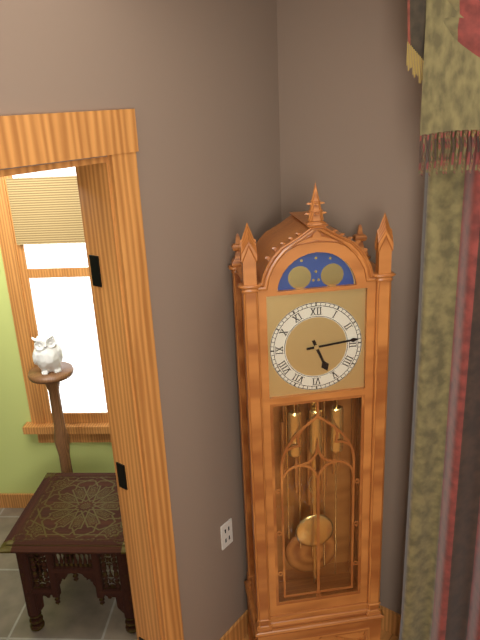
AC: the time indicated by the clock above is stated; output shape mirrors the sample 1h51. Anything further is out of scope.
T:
5h14
